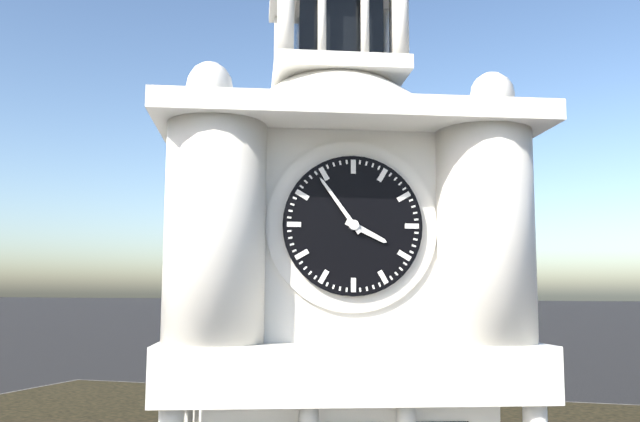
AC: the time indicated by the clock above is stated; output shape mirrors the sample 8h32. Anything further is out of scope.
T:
3h54
